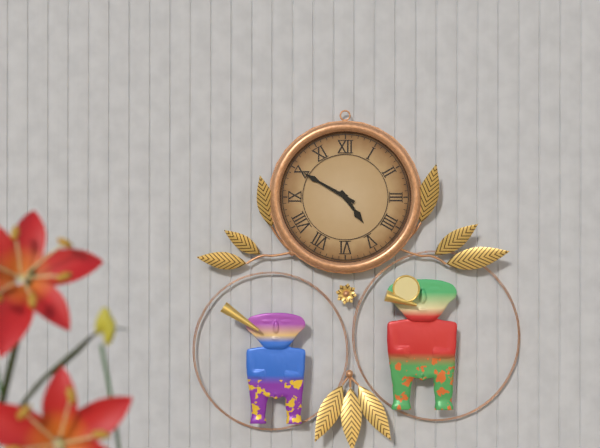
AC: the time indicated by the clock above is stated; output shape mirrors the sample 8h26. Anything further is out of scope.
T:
4h50
